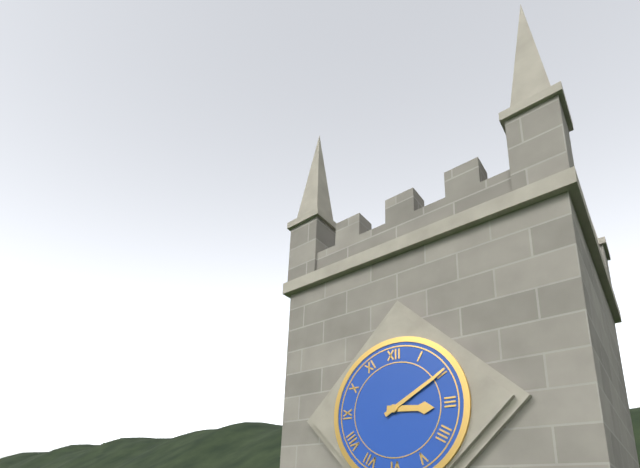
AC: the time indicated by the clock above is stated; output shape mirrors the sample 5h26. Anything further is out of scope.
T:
3h10
